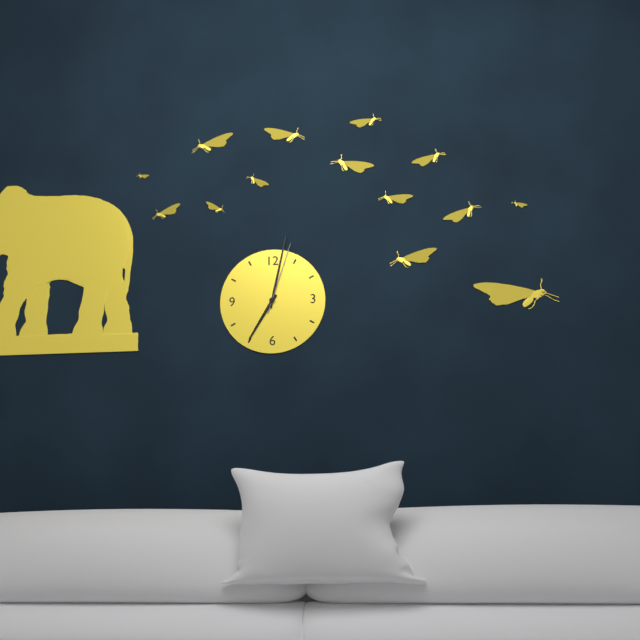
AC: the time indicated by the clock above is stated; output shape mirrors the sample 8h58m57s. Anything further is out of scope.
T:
7h02m03s
